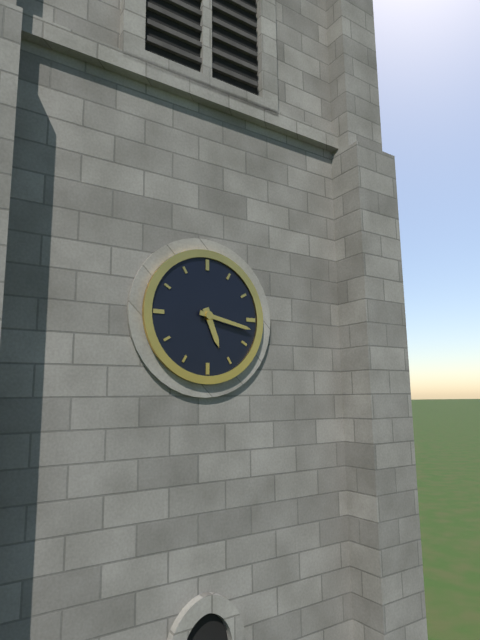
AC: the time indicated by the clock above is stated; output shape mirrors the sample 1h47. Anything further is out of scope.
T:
5h17
